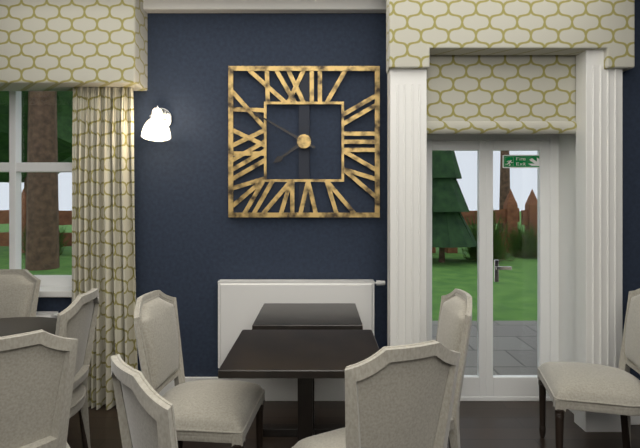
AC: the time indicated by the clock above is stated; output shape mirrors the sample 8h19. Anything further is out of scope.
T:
7h50
